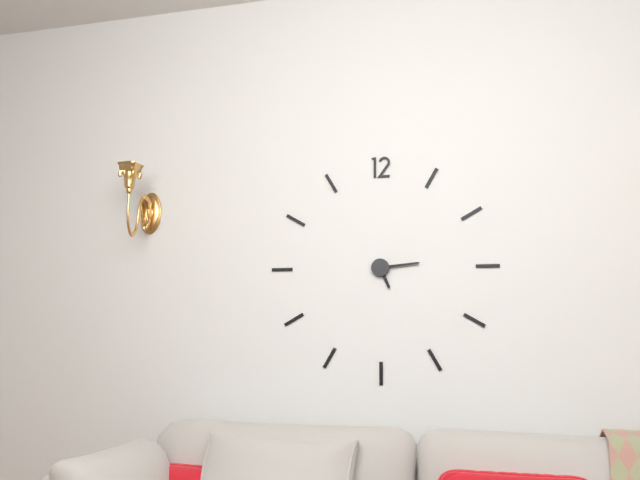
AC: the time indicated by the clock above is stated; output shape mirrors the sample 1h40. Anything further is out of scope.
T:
5h14
